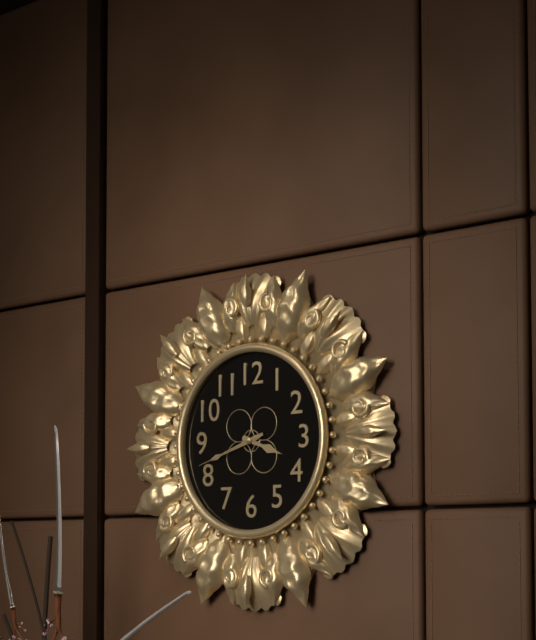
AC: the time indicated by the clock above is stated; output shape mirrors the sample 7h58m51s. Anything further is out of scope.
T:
3h42m42s
